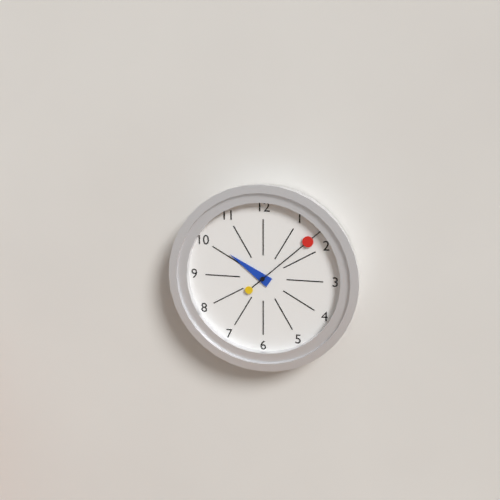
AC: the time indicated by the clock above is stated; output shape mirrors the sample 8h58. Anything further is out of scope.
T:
10h08
